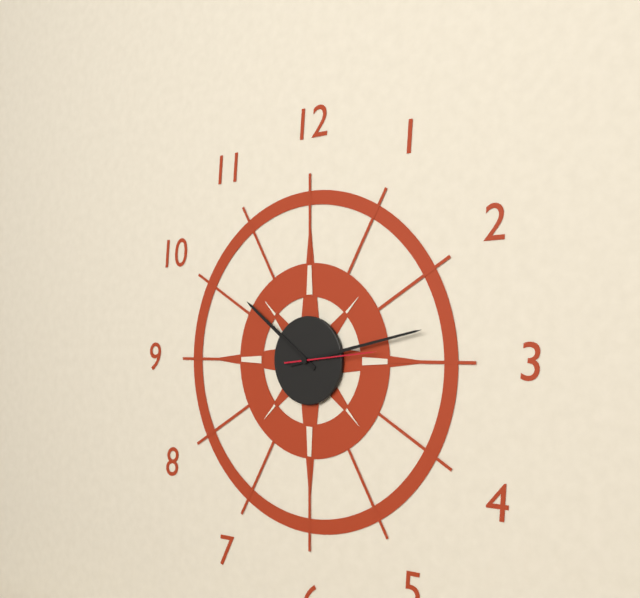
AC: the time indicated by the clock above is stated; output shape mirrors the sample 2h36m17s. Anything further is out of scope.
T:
10h13m14s
